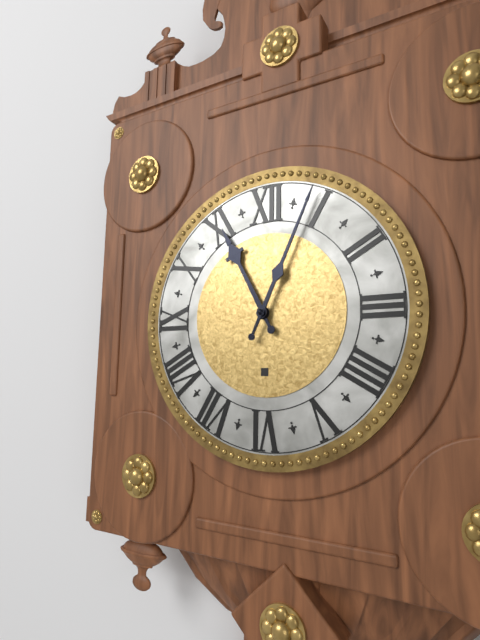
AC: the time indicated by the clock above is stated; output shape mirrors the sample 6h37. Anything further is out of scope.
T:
11h04
